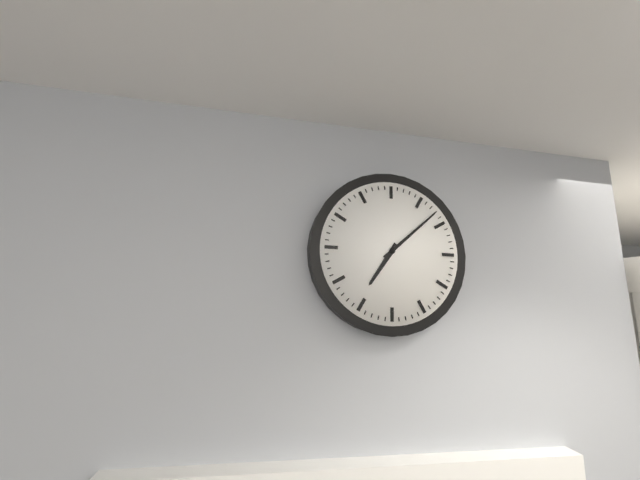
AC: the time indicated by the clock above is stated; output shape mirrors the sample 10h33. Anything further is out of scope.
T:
7h08
